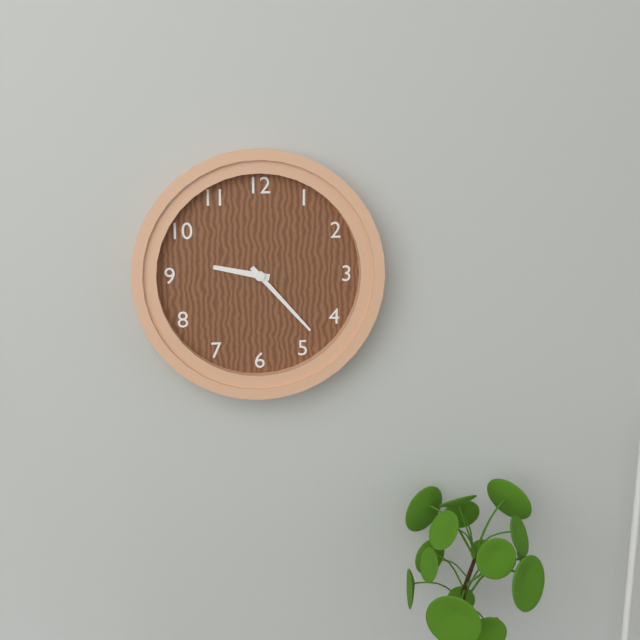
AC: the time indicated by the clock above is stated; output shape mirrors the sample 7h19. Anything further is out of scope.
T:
9h23
